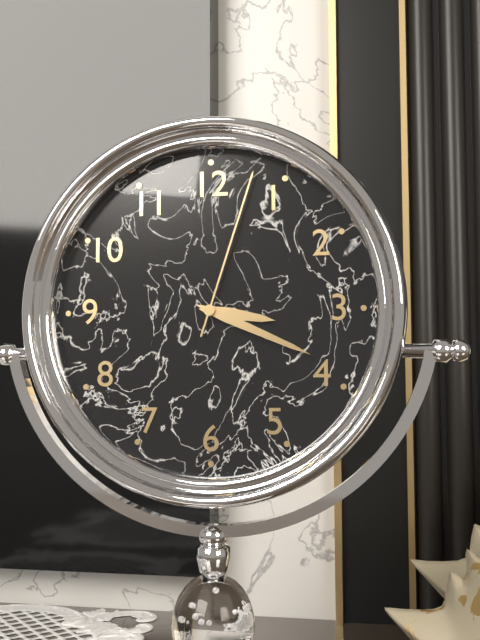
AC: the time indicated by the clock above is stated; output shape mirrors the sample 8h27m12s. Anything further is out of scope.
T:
3h19m03s
